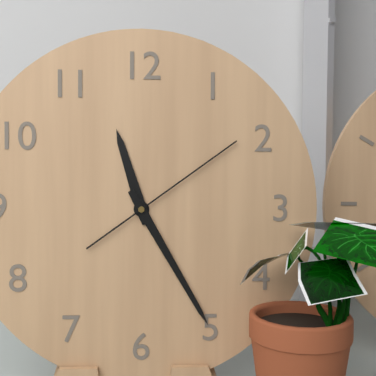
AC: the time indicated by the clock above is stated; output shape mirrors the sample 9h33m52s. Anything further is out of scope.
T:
11h25m09s
